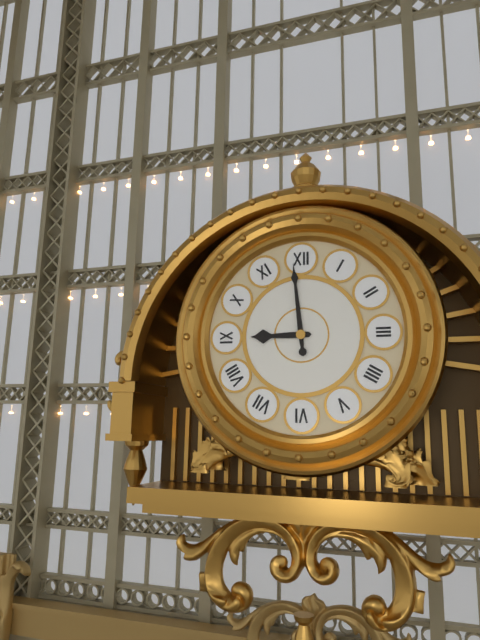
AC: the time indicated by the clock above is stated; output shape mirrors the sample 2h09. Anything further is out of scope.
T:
8h59
